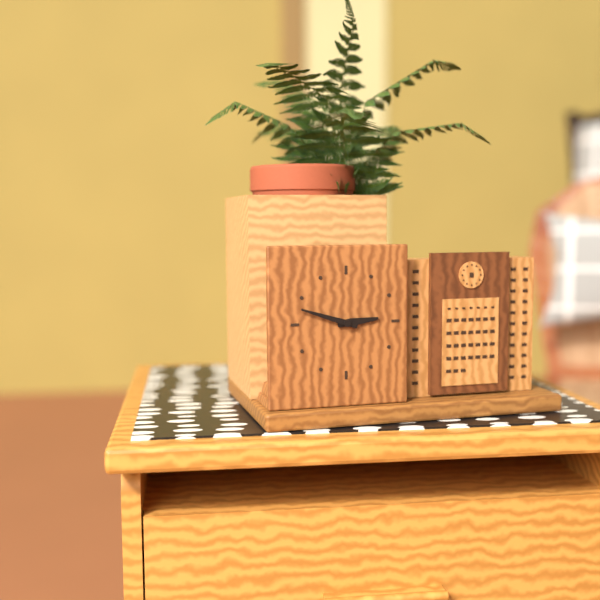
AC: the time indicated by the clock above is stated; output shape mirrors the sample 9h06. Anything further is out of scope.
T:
2h48
